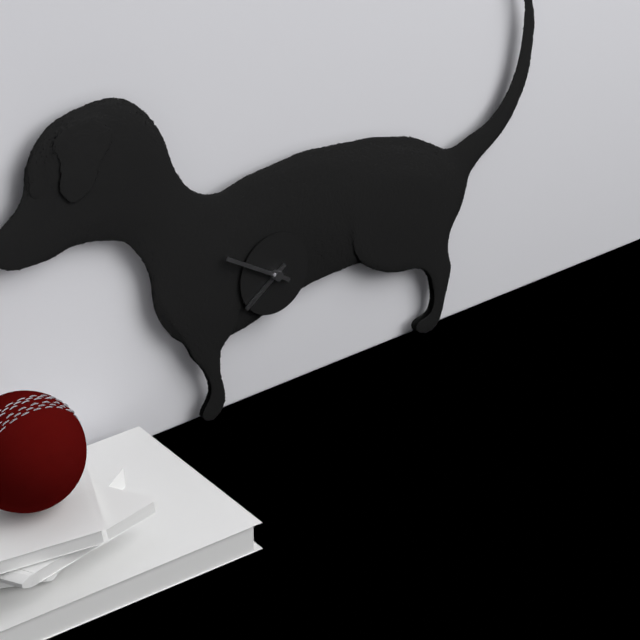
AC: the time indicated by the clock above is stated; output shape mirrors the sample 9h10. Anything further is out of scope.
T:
7h50
